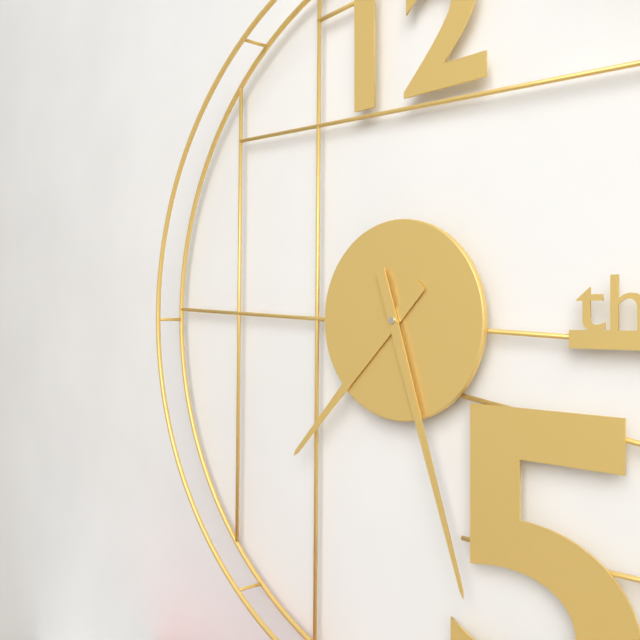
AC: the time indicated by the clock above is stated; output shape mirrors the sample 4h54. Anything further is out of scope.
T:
7h27
